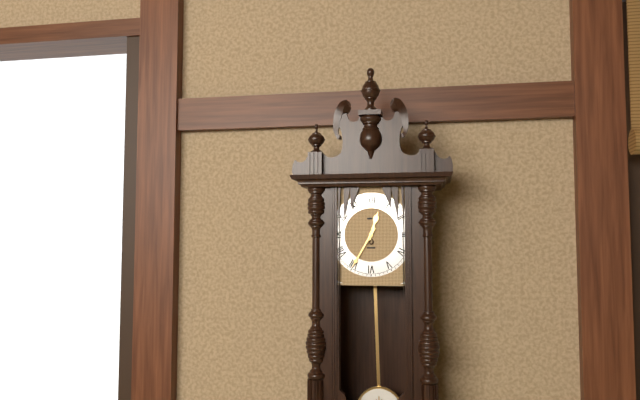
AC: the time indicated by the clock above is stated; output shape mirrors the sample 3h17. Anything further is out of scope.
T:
12h35
